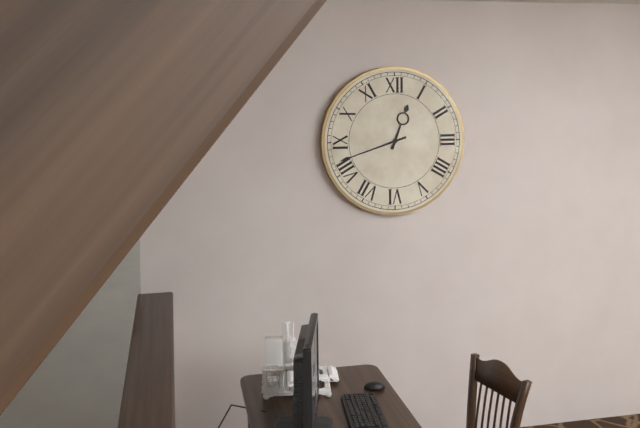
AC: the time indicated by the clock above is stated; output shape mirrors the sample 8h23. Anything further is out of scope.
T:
12h42
